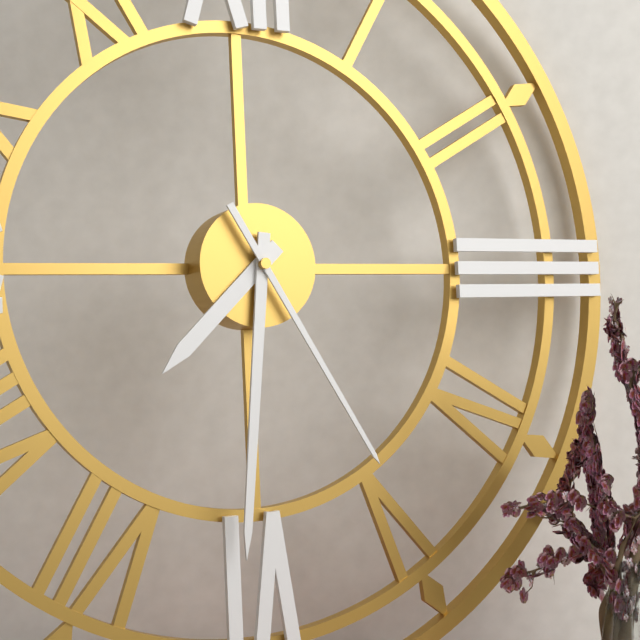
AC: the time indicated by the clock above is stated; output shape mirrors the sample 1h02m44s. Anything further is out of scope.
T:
7h31m25s
